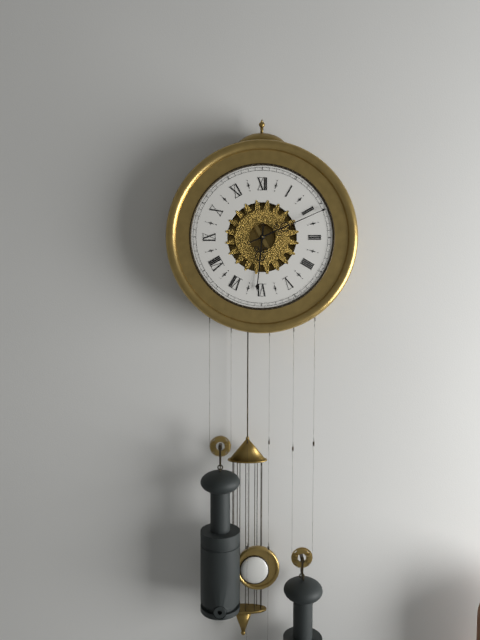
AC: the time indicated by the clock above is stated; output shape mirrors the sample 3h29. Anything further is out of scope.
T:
6h11
